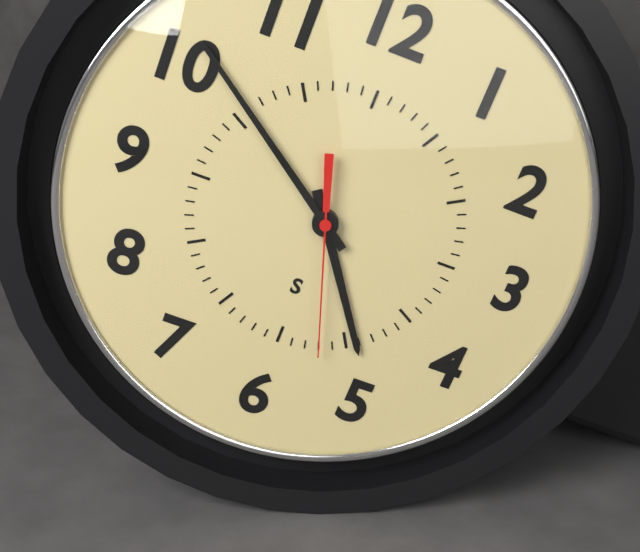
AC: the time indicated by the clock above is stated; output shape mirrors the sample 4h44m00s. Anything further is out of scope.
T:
4h51m27s
